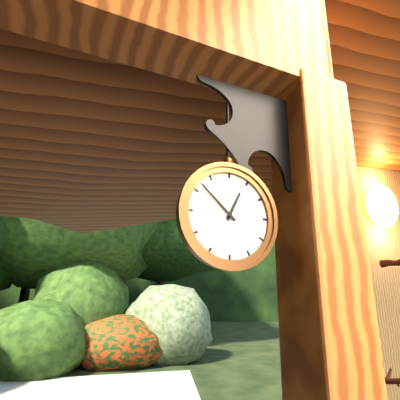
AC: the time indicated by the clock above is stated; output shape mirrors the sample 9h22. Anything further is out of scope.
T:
12h52
